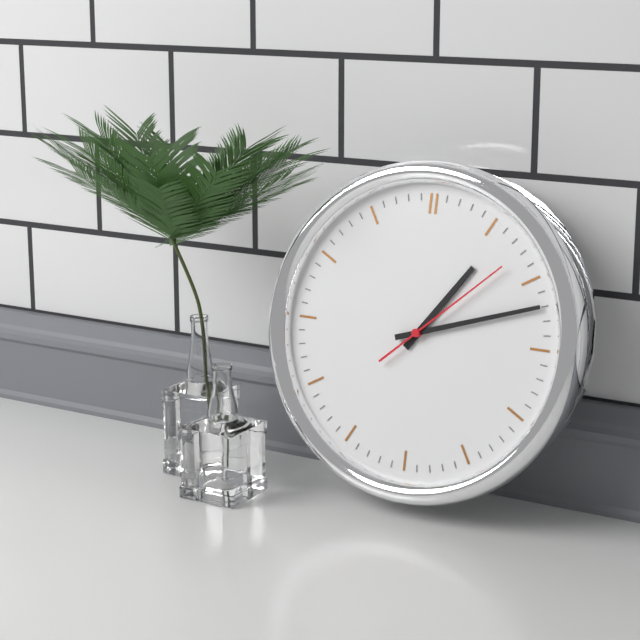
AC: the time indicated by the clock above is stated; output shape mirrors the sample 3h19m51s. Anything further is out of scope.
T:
1h12m08s
